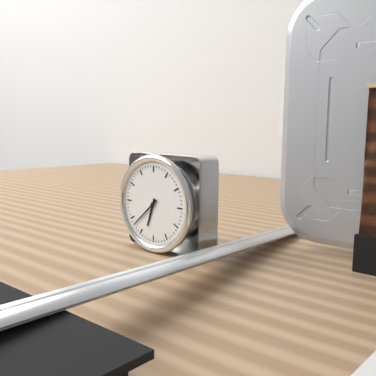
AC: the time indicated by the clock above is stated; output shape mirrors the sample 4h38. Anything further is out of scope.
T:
6h38
